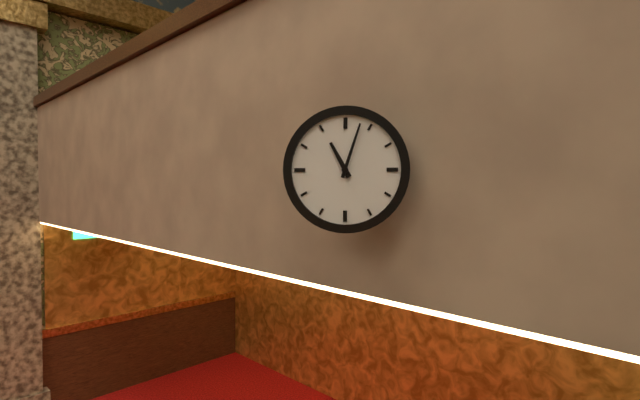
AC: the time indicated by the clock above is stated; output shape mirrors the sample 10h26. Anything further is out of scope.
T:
11h03
